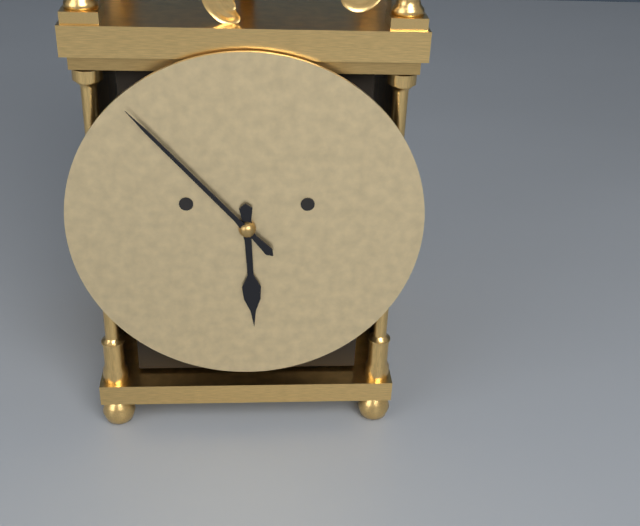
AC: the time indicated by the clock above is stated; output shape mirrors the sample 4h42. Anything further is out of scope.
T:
5h53
